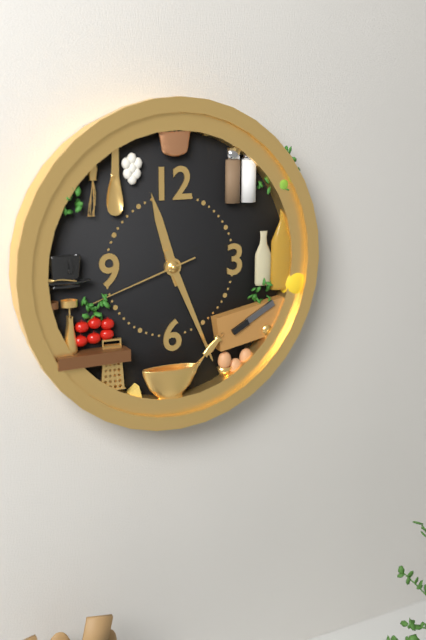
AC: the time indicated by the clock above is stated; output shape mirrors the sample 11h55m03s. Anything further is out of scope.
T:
11h26m42s
